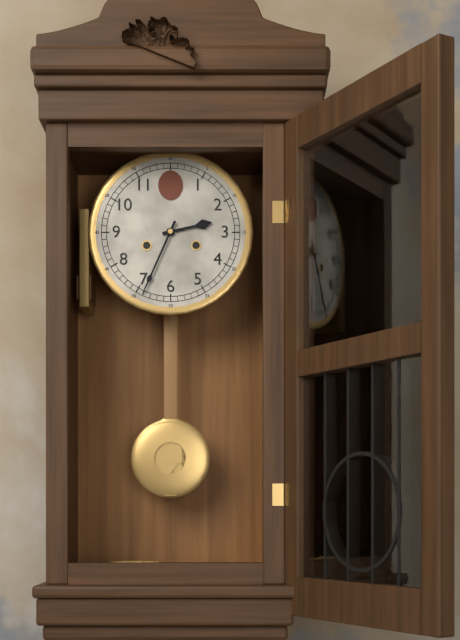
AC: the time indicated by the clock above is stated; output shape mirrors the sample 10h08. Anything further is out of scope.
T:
2h34
